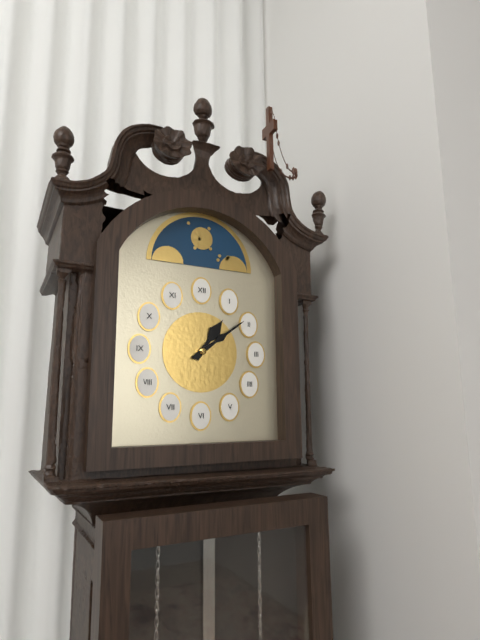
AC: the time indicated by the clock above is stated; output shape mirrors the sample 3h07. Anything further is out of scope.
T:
1h09
